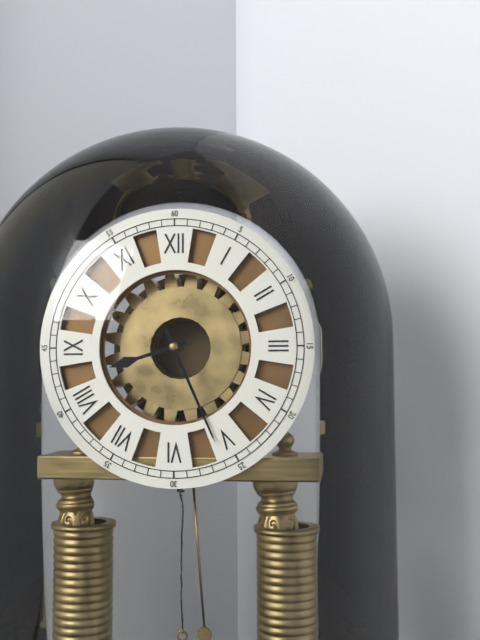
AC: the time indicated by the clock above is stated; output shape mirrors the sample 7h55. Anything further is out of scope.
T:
8h26
